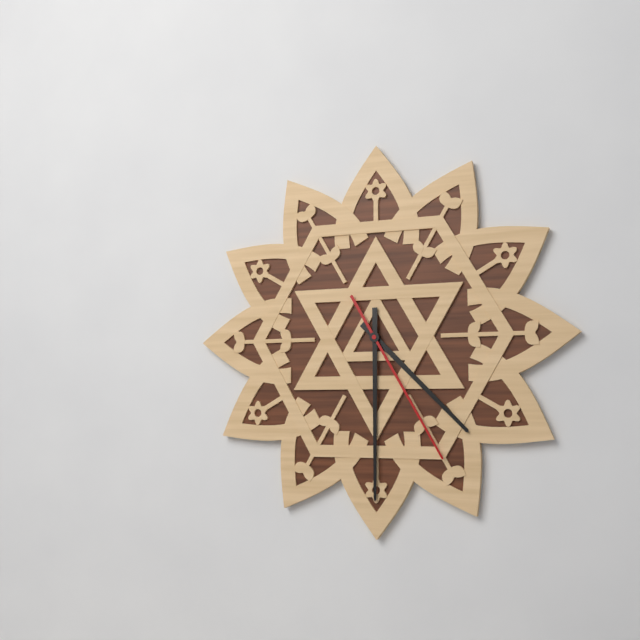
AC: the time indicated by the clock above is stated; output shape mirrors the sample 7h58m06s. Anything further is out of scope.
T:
4h30m25s
